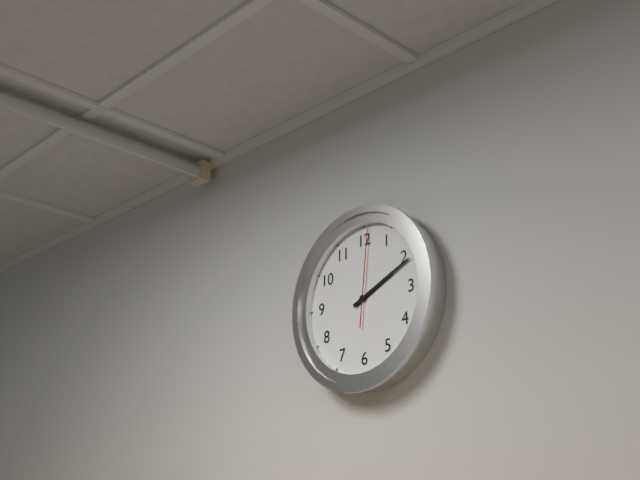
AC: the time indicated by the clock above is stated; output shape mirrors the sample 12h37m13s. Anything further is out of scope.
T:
2h11m01s
